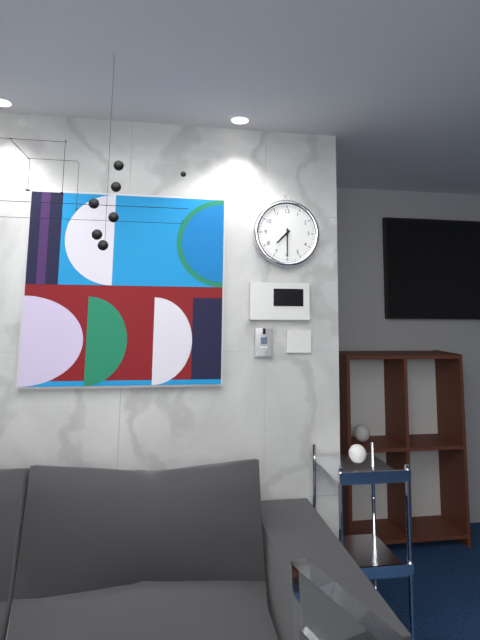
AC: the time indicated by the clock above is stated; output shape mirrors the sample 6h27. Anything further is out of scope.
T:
7h30
